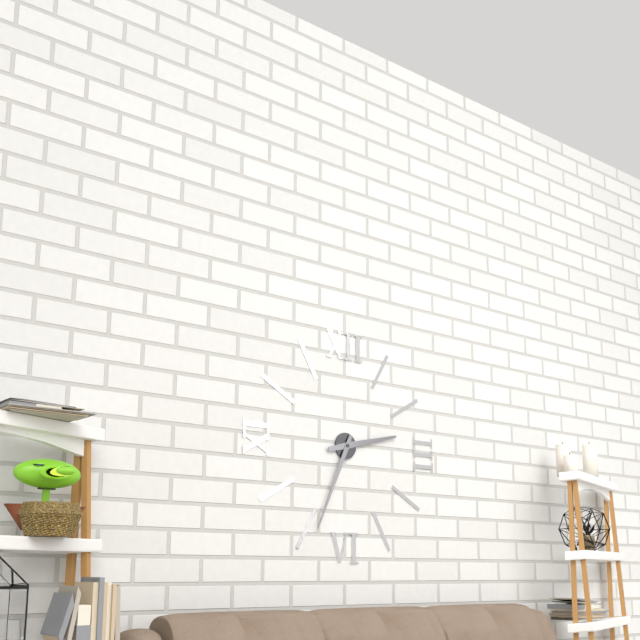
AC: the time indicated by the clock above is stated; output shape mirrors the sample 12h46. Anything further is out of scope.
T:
2h34
